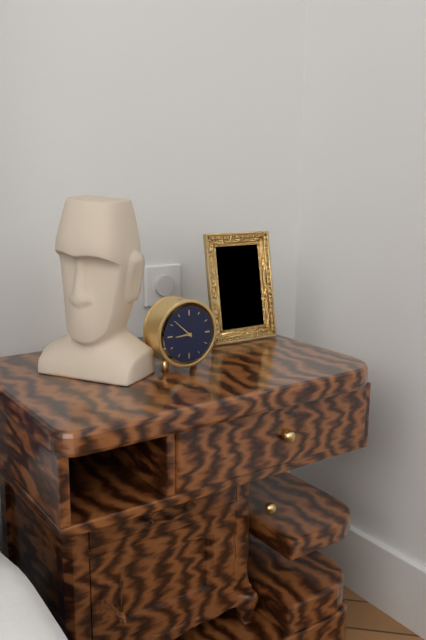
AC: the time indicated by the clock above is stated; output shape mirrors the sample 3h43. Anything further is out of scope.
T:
8h52
